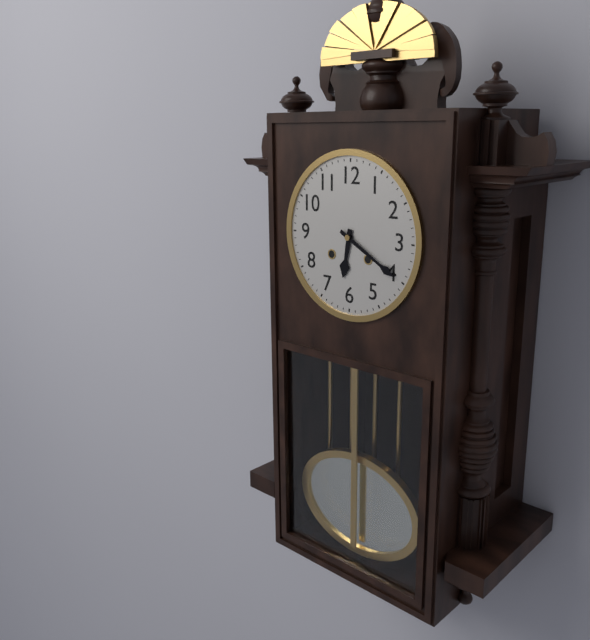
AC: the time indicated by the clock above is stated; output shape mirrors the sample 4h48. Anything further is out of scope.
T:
6h20
